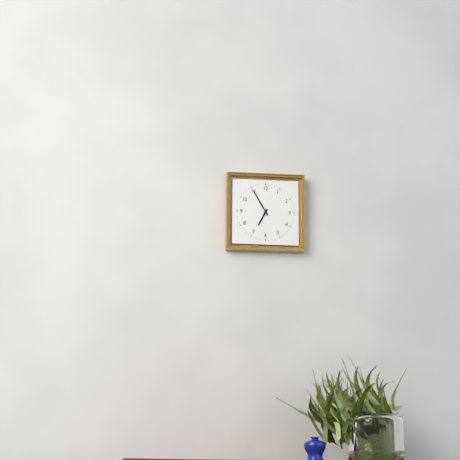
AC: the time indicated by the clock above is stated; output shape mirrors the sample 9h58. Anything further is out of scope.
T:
6h55
